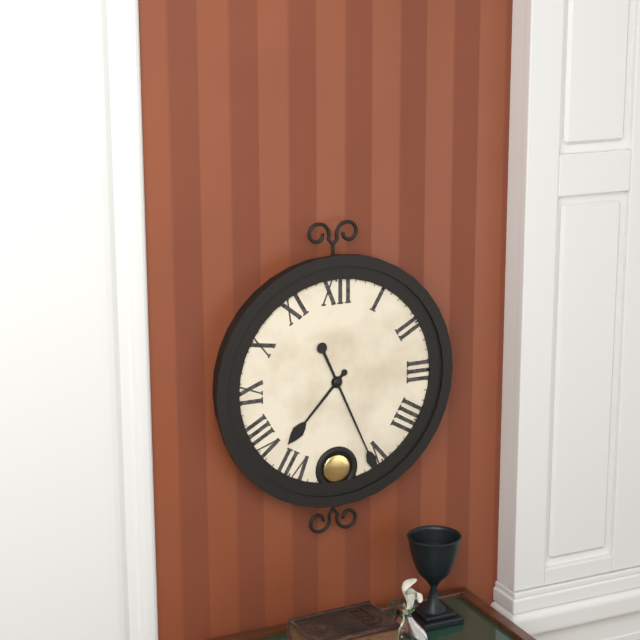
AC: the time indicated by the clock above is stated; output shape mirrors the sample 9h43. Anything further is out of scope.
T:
7h26
